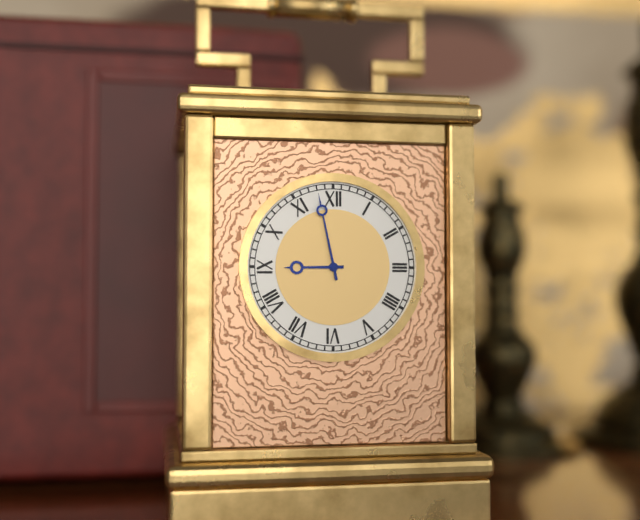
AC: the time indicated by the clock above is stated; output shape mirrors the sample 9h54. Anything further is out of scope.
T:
8h58
